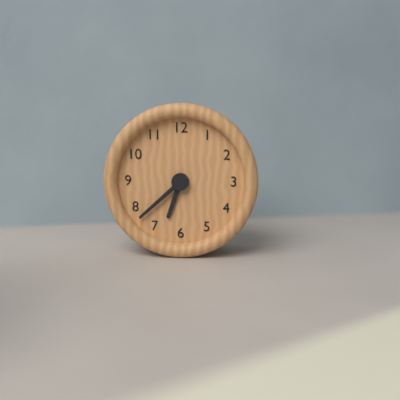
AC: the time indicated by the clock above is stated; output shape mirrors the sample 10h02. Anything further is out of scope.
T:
6h38
